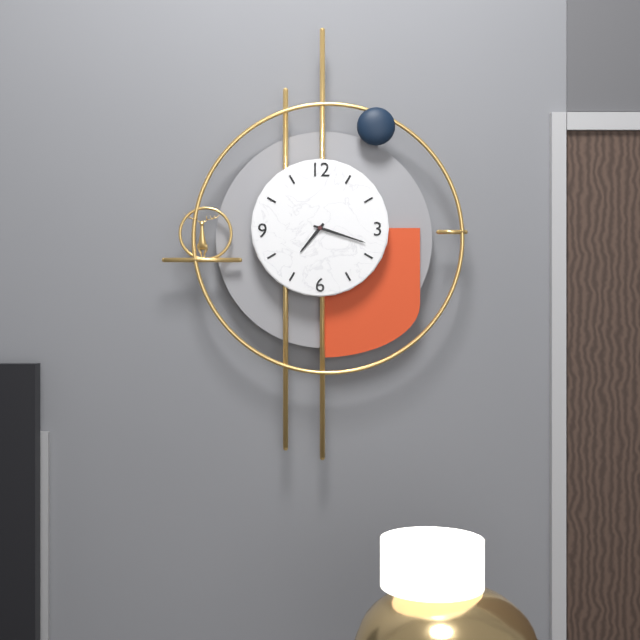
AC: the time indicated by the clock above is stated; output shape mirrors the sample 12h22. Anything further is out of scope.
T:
7h18
